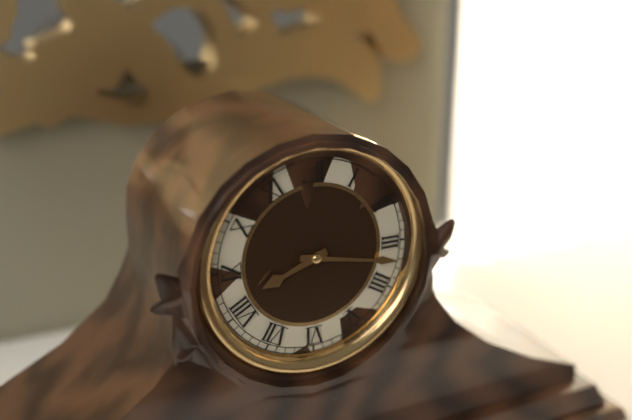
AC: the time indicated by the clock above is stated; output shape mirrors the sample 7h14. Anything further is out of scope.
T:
8h17
